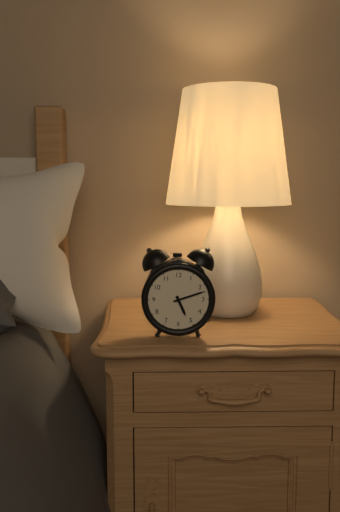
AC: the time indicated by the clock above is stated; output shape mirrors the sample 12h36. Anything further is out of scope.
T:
5h12
